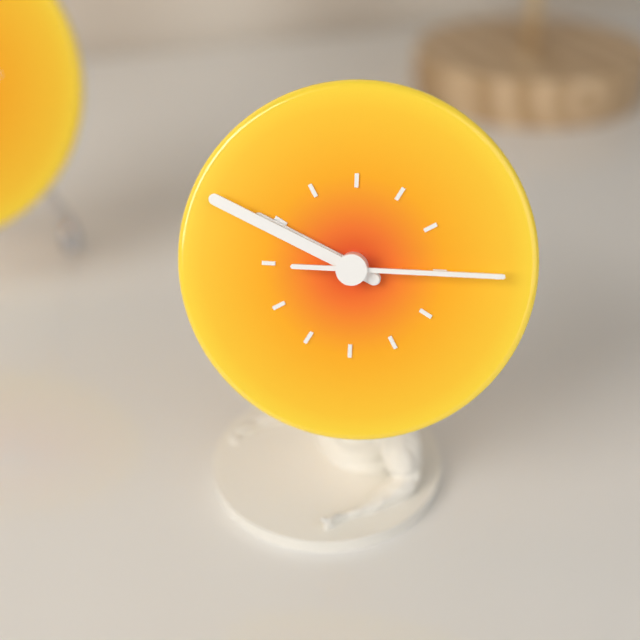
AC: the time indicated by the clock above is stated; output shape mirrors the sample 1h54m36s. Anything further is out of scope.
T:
9h49m15s
